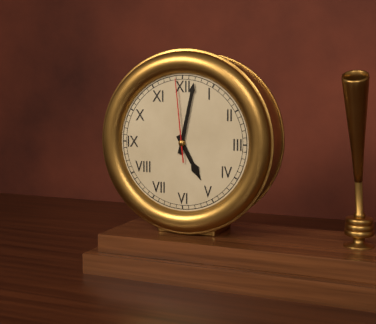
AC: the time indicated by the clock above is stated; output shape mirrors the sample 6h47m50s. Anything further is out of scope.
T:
5h02m59s
